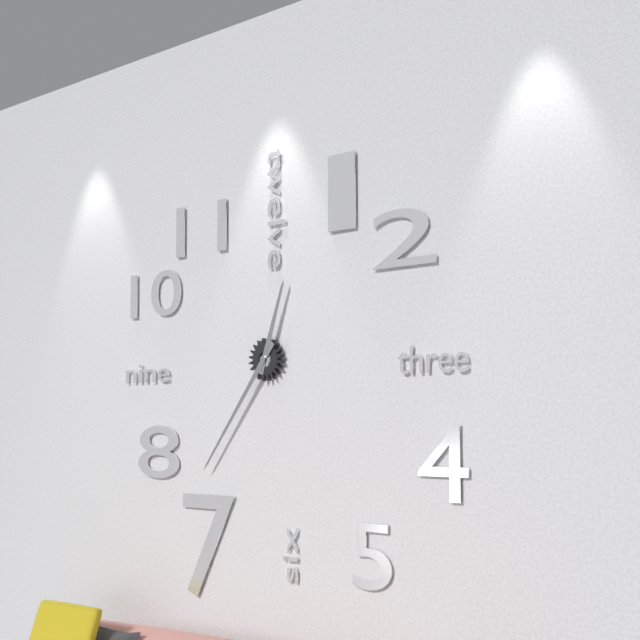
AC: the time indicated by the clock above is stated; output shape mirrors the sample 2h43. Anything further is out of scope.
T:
12h36
